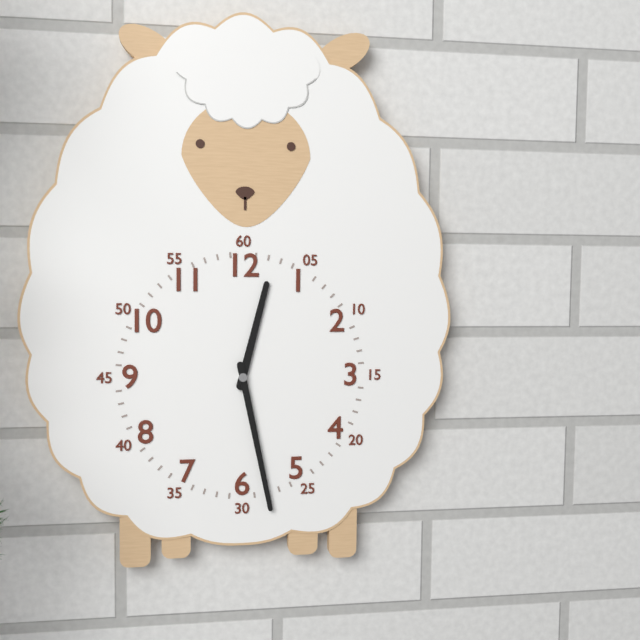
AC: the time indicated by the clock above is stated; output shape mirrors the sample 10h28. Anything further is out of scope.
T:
12h28
